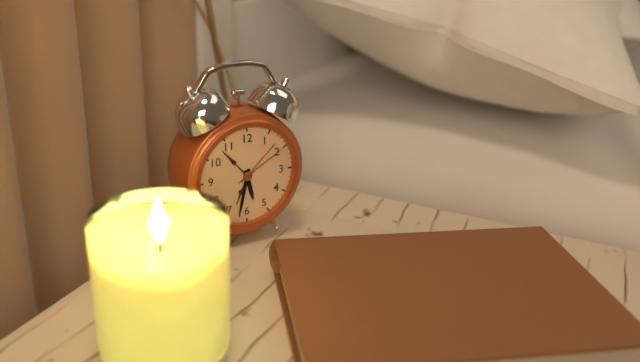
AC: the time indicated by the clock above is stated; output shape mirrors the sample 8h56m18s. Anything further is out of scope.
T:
5h32m10s
